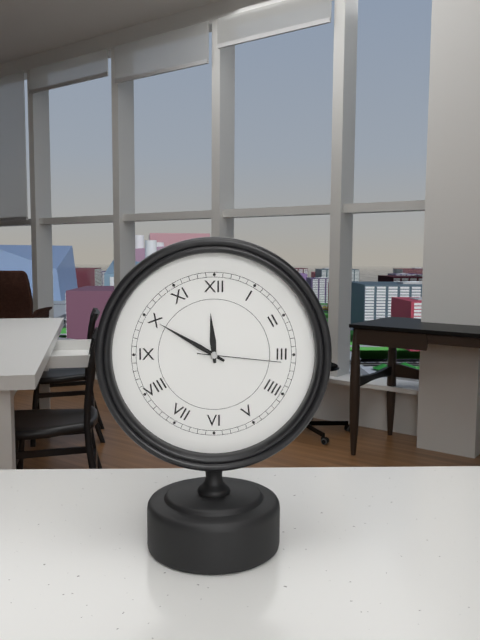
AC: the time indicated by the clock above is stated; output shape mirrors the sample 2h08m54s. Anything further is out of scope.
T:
11h50m16s
